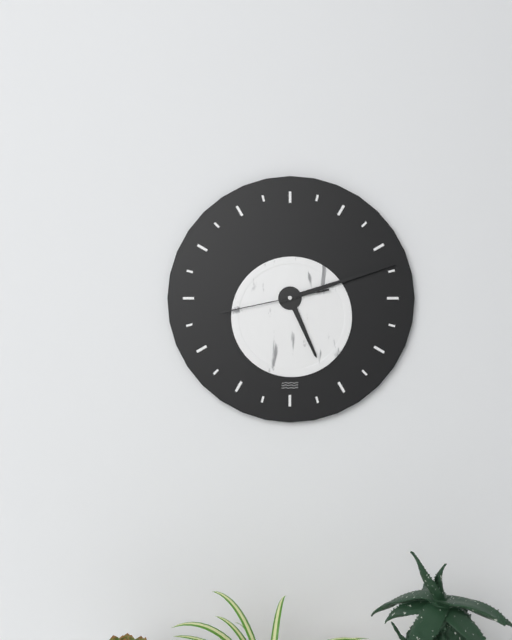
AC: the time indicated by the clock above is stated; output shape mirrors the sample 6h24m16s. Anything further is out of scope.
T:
5h12m43s
